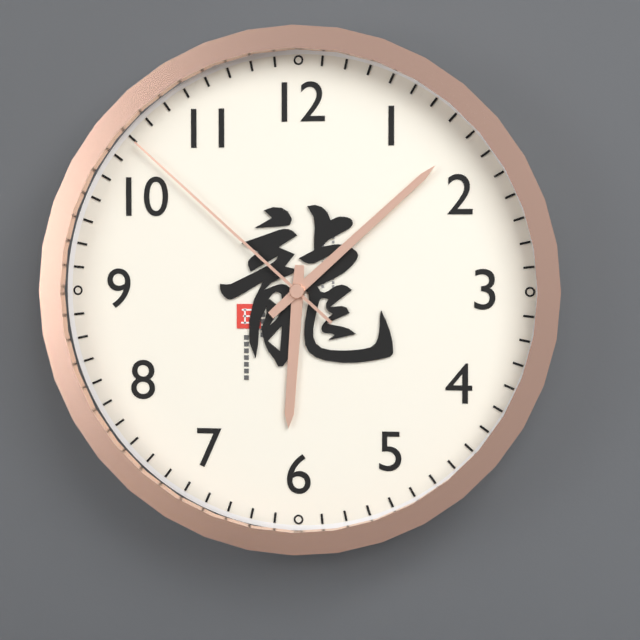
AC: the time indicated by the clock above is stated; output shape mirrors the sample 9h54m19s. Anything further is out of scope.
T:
6h08m52s
